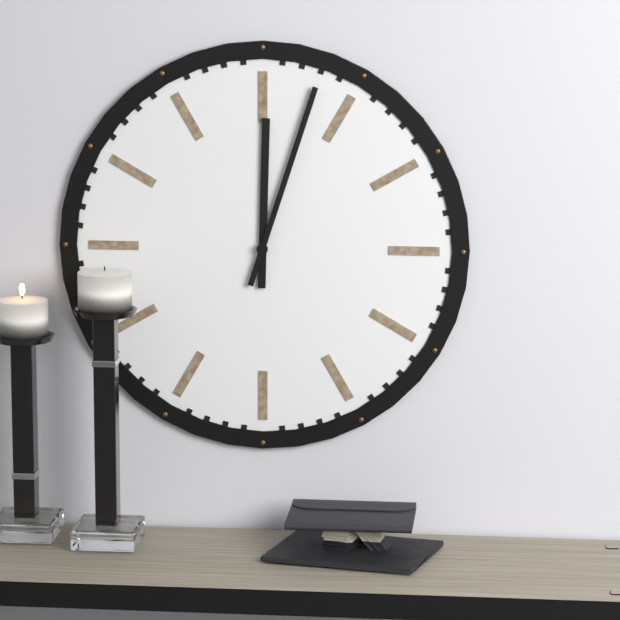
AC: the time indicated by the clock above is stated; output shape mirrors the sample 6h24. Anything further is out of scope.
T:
12h03
